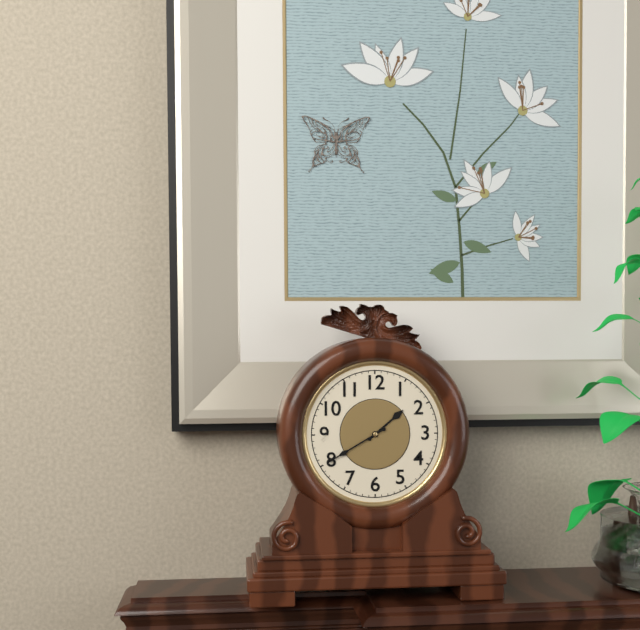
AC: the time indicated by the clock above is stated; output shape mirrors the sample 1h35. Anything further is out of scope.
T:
1h40
